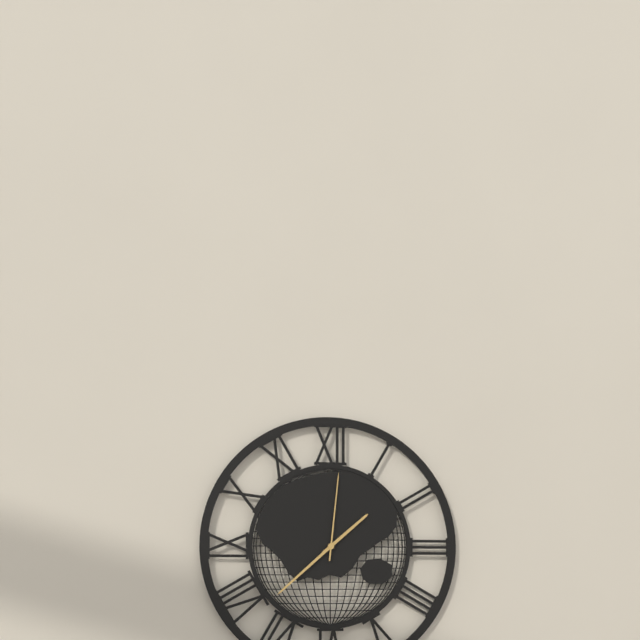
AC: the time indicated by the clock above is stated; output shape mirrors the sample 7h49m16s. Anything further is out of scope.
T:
1h38m01s
